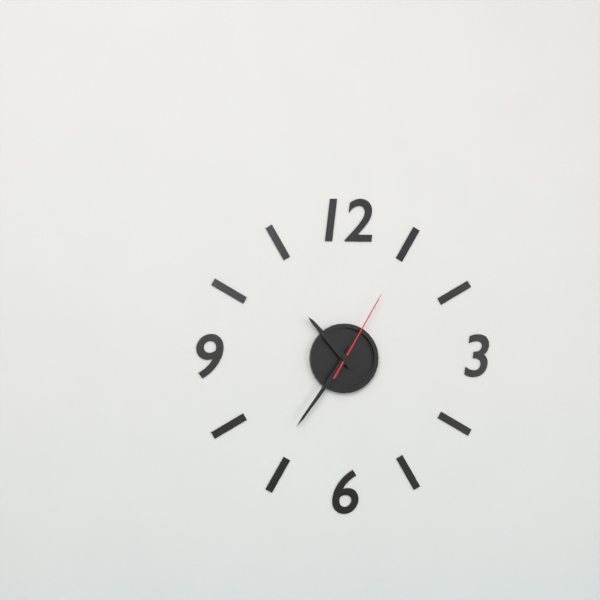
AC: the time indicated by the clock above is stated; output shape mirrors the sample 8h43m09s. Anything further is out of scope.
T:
10h36m05s
